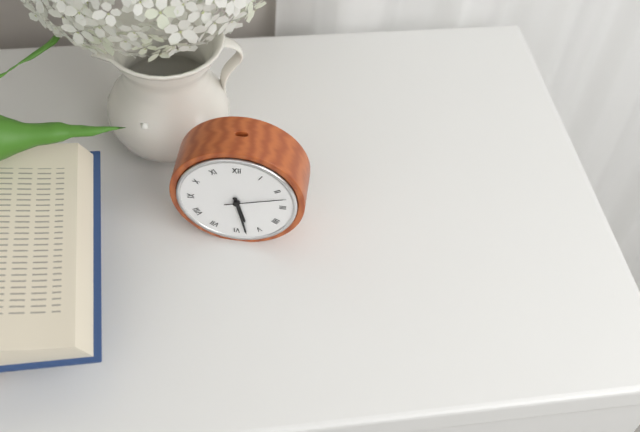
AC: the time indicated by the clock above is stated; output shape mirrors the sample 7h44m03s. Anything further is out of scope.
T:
5h28m12s
